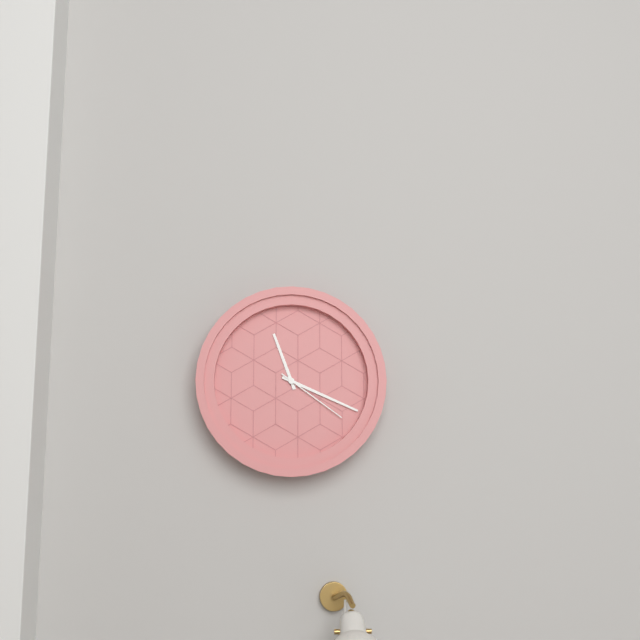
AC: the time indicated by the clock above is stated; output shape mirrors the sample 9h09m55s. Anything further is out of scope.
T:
11h19m21s
